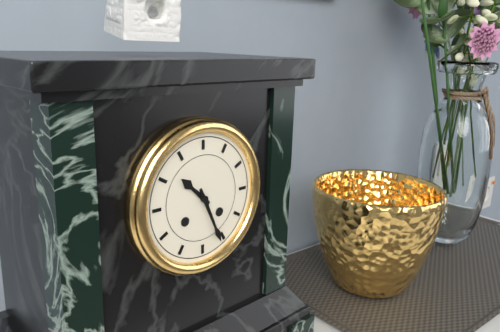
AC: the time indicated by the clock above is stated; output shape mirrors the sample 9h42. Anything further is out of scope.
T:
10h26
